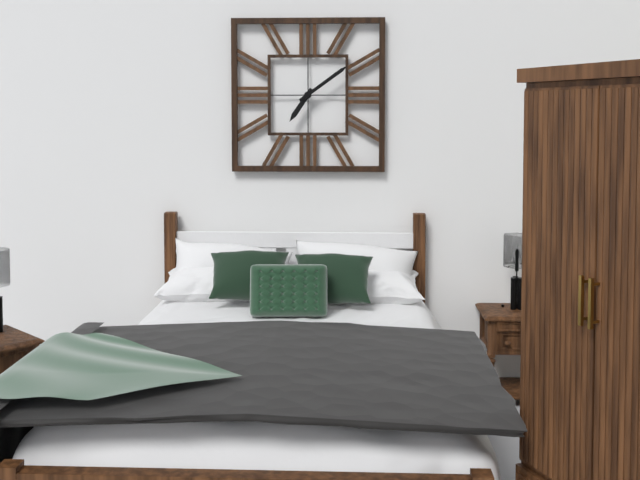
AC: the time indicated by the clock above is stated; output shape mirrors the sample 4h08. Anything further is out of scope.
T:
7h09
